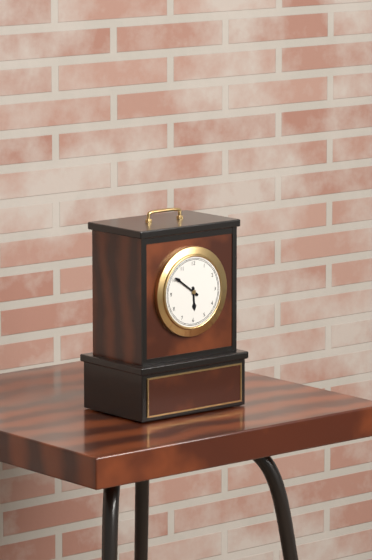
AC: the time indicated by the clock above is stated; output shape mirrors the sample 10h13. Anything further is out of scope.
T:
5h51
